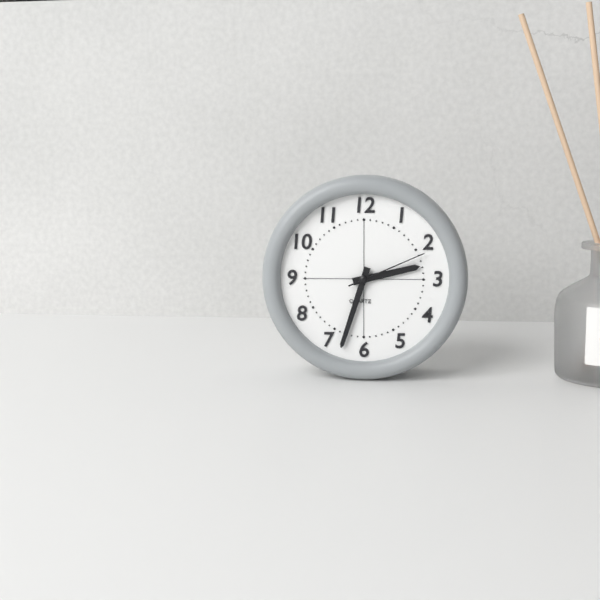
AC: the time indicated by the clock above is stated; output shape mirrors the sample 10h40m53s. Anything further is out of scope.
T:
2h33m11s
